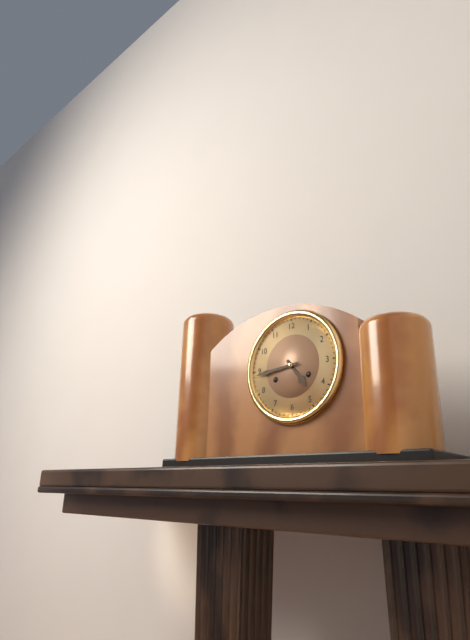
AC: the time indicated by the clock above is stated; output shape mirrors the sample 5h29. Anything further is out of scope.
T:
4h44
